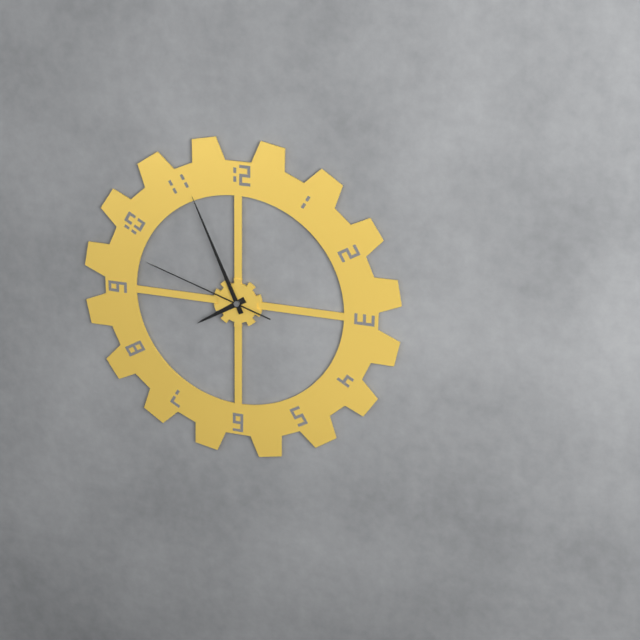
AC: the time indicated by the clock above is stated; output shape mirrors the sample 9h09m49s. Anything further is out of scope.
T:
7h56m48s
